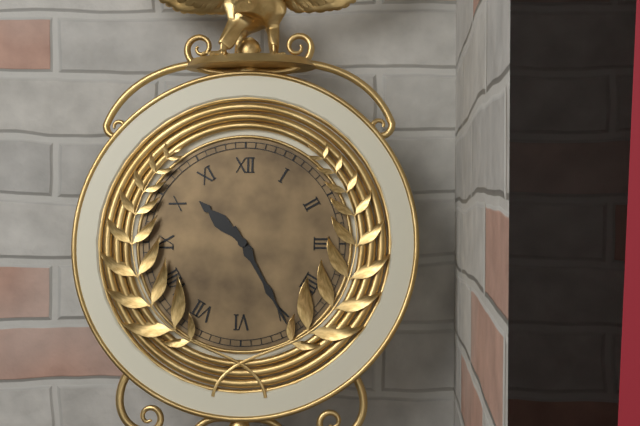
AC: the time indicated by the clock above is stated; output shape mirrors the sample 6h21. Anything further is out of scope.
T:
10h25
